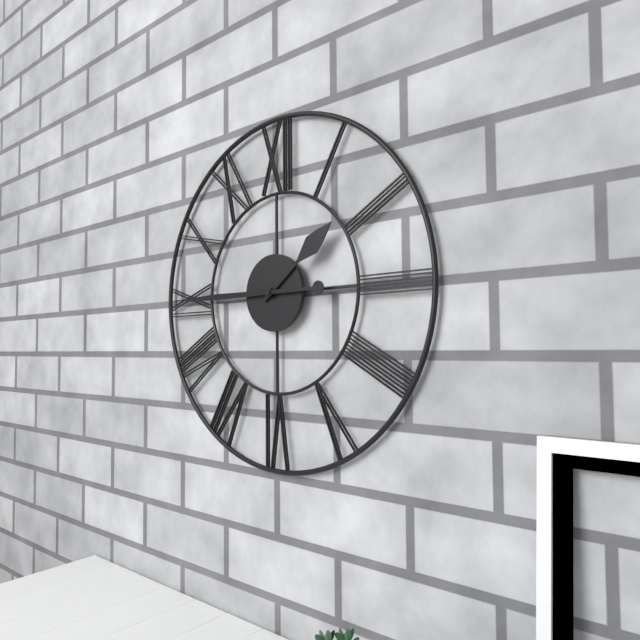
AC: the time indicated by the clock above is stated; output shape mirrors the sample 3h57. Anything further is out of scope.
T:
1h45
